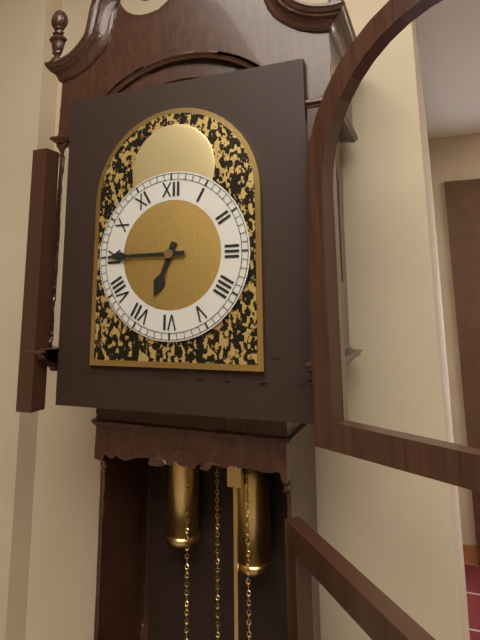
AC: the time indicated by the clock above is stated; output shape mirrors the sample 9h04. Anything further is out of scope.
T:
6h45
